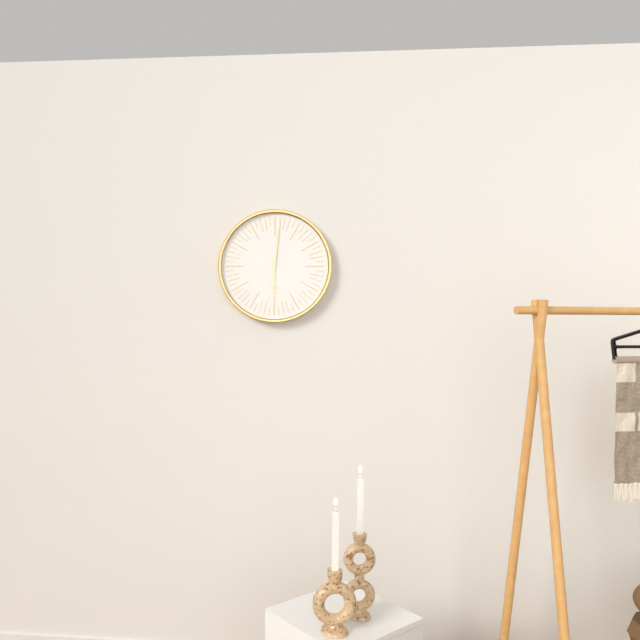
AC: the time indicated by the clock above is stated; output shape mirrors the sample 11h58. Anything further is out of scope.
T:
6h01
